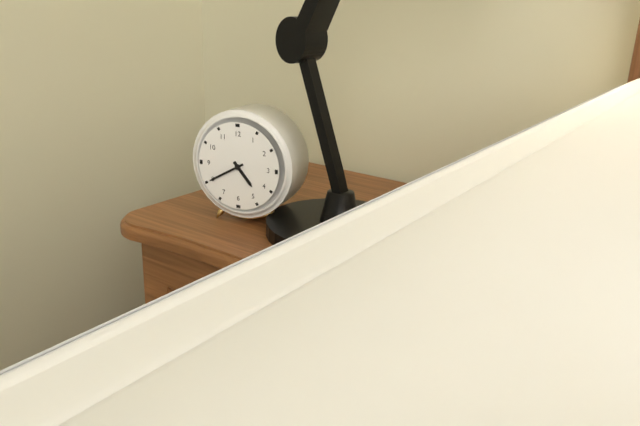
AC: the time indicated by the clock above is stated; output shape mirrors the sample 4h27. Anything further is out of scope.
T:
4h40
